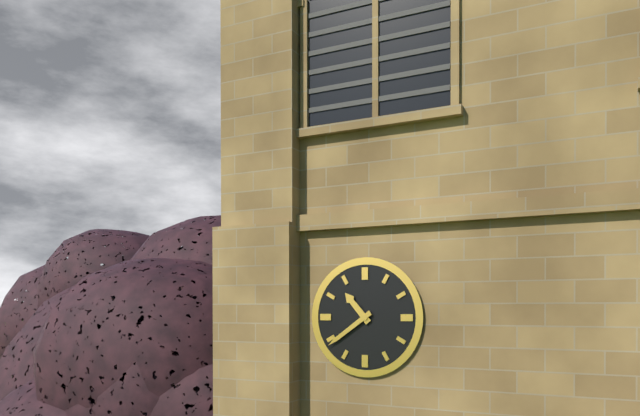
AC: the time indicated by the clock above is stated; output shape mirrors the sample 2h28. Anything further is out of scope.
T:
10h39
